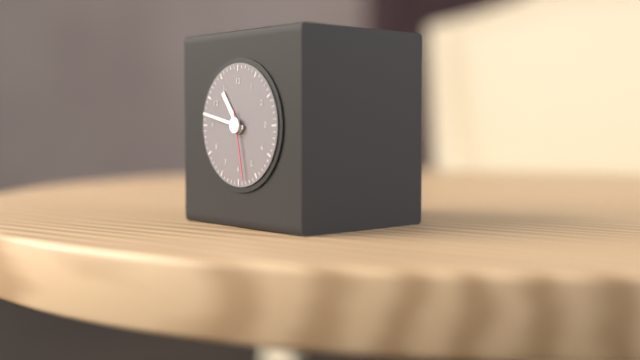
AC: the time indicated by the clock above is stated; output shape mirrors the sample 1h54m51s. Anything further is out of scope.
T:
10h47m28s
